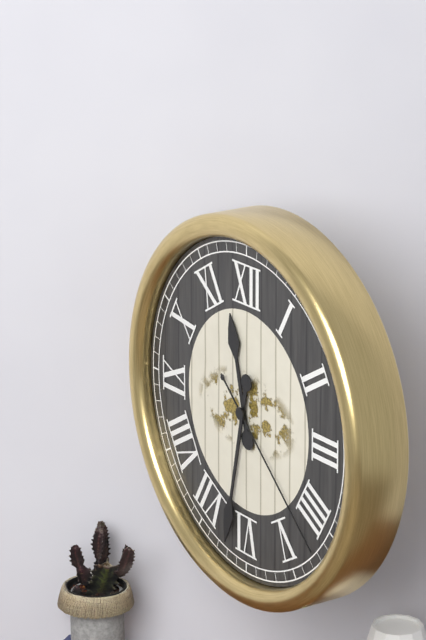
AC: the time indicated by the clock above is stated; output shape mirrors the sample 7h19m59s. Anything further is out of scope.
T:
11h32m22s
